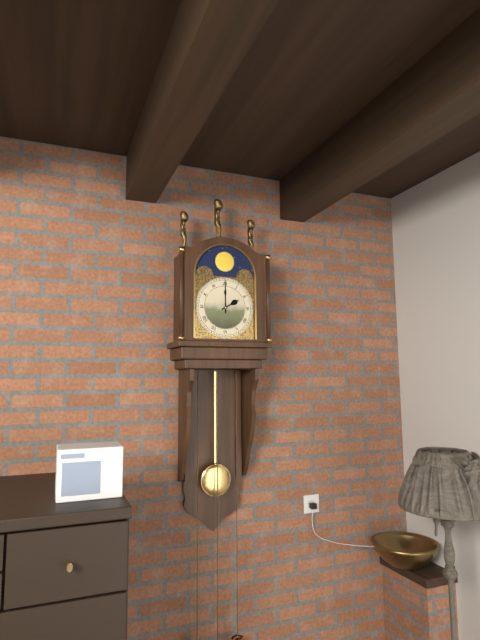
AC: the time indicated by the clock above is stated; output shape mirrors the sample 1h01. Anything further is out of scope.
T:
2h00
